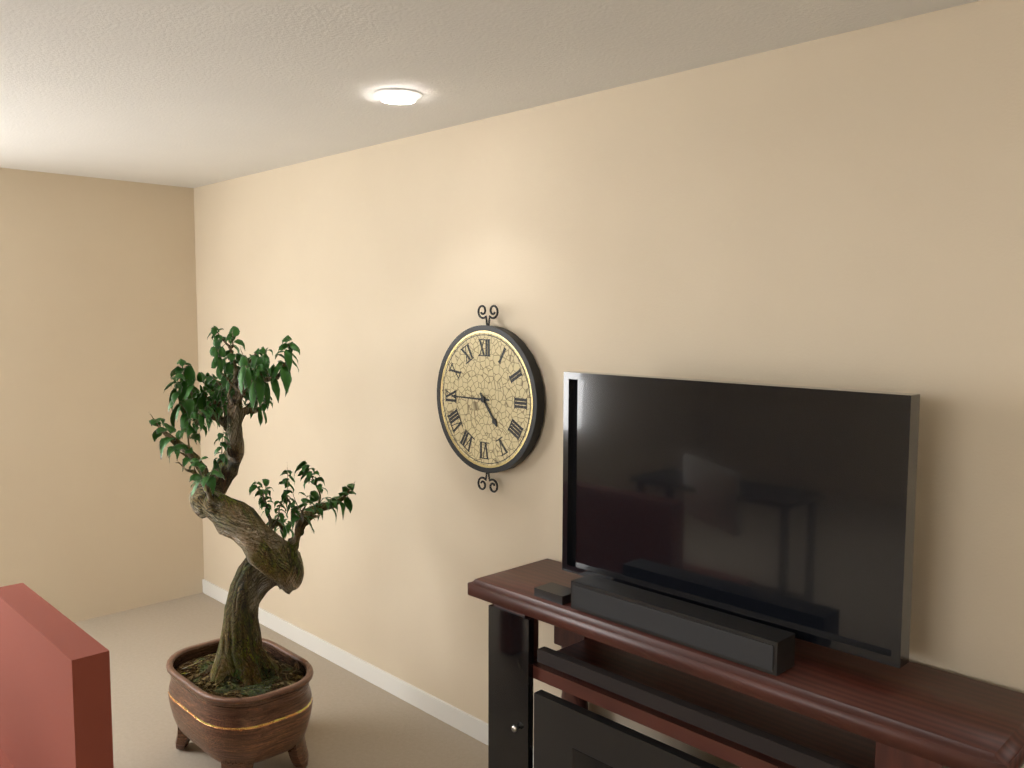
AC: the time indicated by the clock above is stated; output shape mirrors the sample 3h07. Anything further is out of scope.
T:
4h45
